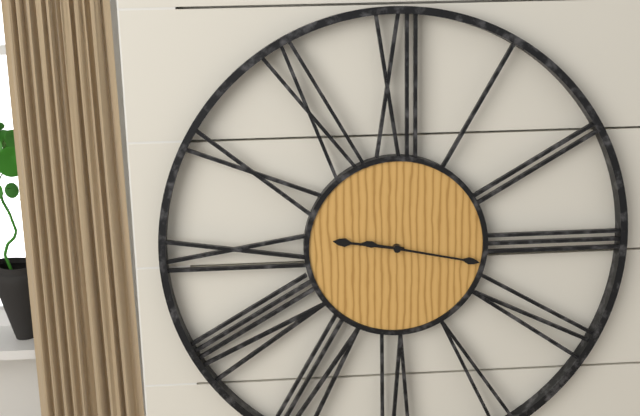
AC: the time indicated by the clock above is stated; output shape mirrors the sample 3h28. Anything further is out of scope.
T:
9h17
